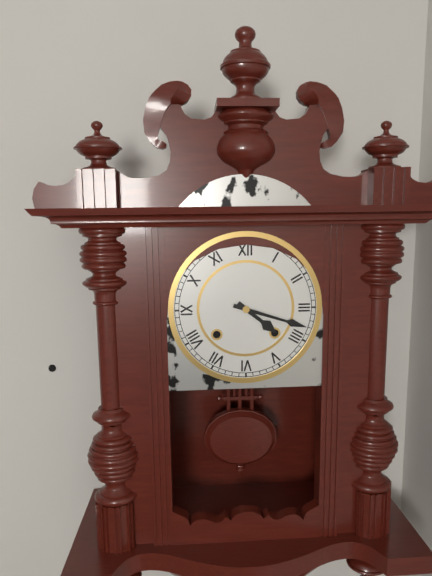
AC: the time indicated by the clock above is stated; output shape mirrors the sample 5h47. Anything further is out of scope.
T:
4h18
